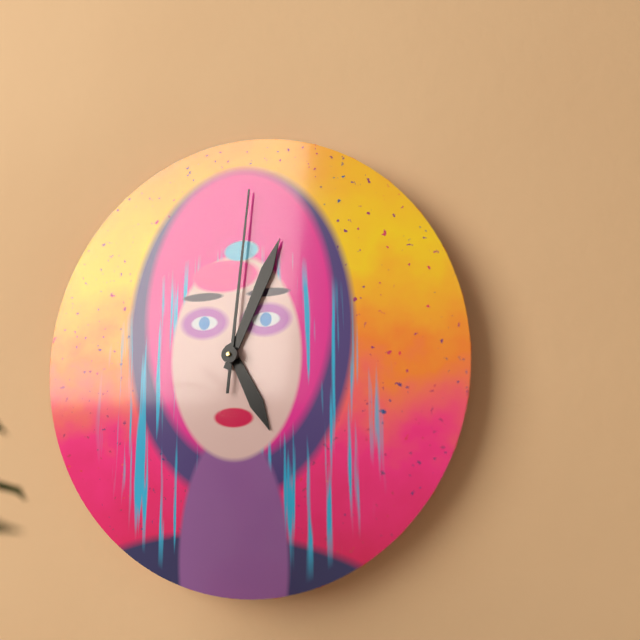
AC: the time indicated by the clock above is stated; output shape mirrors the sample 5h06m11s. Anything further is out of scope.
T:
5h04m01s
